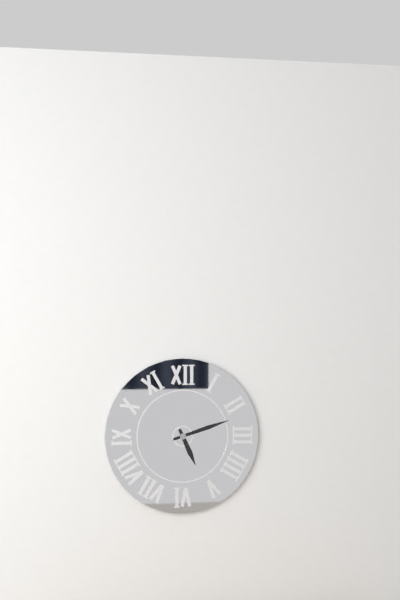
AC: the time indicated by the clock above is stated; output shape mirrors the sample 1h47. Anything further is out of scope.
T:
5h12
